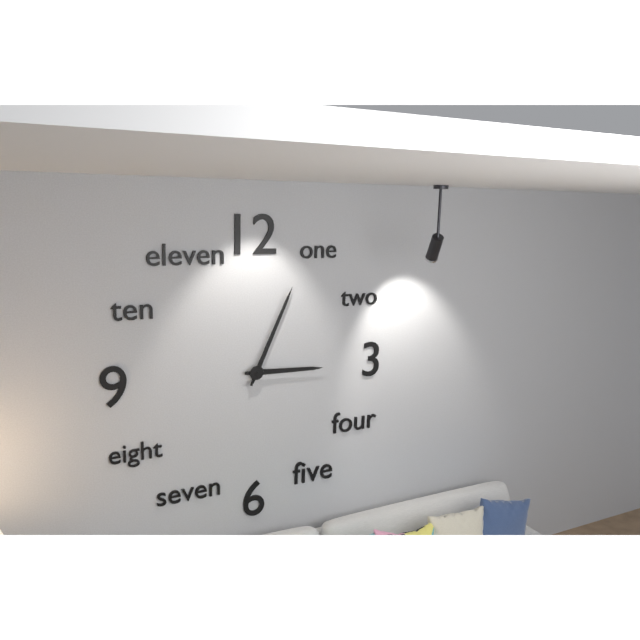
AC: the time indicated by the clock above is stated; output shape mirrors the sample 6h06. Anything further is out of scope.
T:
3h04
